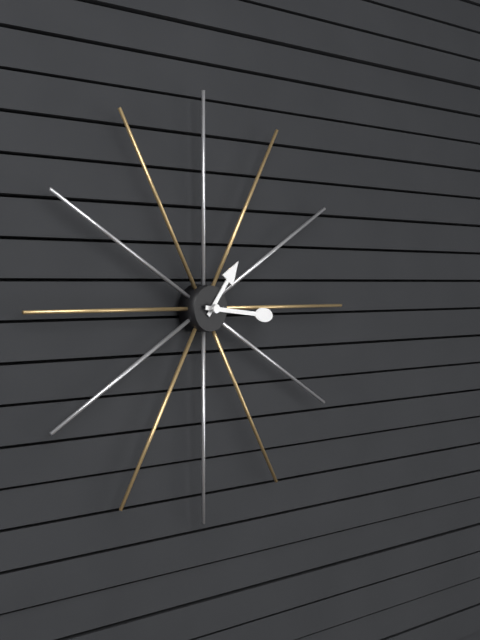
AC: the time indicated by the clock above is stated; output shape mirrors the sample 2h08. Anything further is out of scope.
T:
1h16
